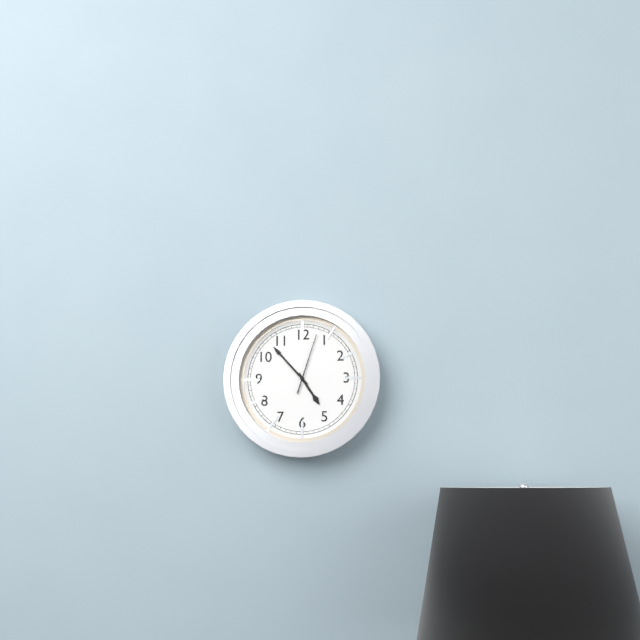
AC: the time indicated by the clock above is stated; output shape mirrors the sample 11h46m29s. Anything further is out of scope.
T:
4h53m03s
